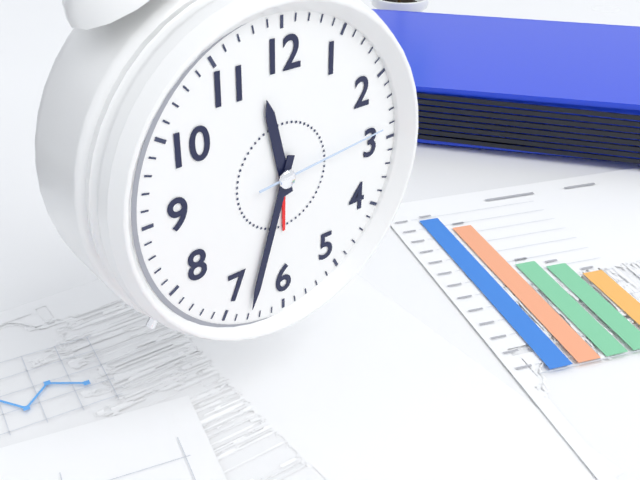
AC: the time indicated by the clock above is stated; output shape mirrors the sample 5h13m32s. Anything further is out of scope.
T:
11h33m14s
